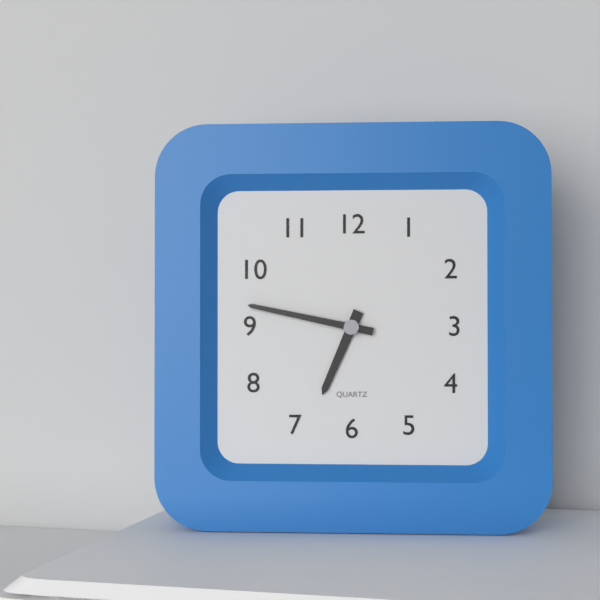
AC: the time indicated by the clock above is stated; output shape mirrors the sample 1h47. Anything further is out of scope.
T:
6h47
